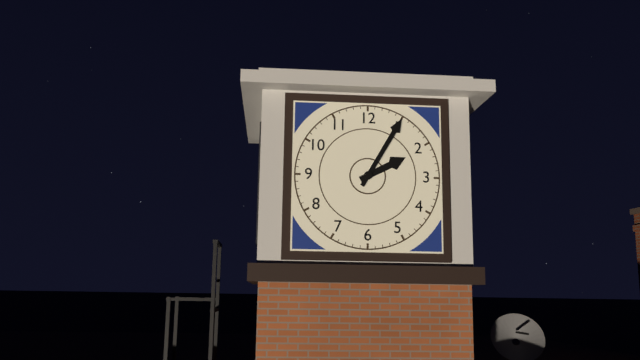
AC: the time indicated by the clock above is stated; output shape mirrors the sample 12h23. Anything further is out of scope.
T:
2h05
